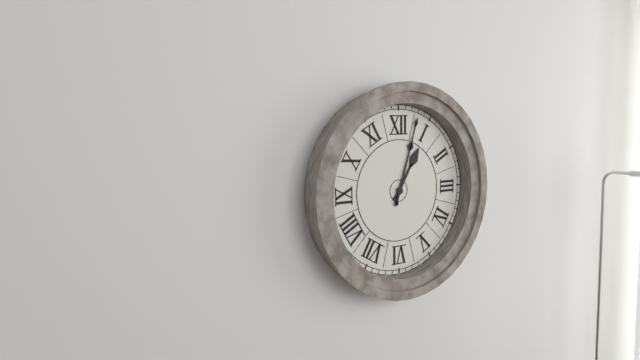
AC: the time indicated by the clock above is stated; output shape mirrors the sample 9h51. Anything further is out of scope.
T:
1h03
